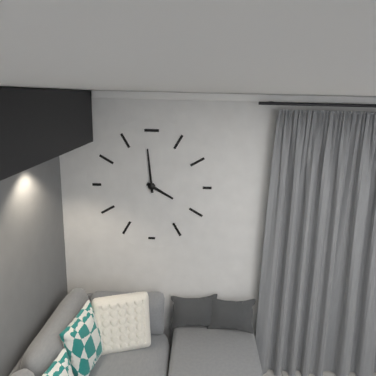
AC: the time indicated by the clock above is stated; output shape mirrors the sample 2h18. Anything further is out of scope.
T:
3h59
